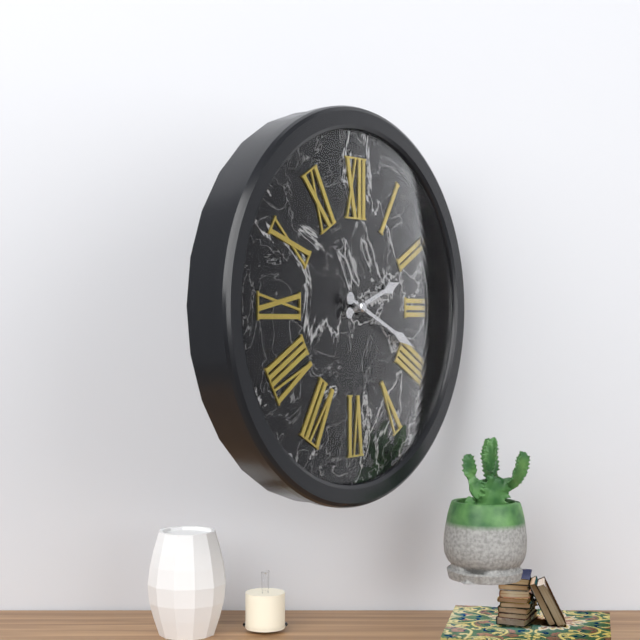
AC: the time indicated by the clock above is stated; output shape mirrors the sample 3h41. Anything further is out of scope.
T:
2h19
